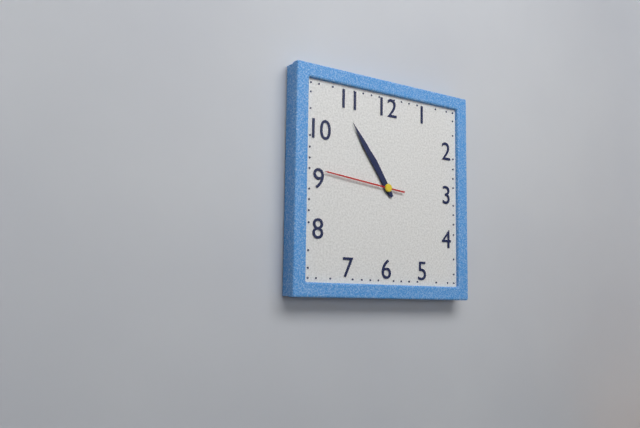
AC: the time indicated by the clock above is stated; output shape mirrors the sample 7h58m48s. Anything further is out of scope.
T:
10h54m46s
